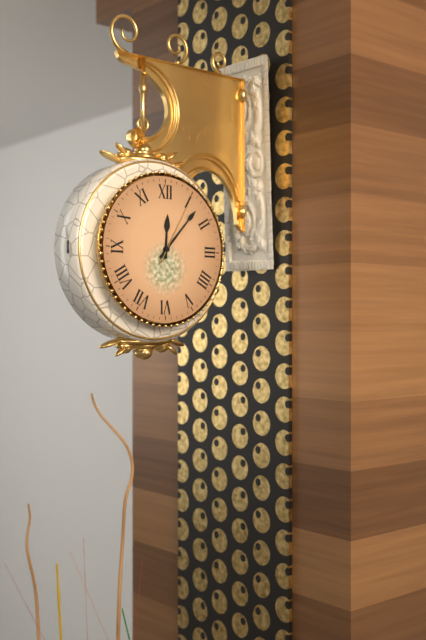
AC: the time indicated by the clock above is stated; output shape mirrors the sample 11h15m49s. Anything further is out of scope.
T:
12h07m05s
